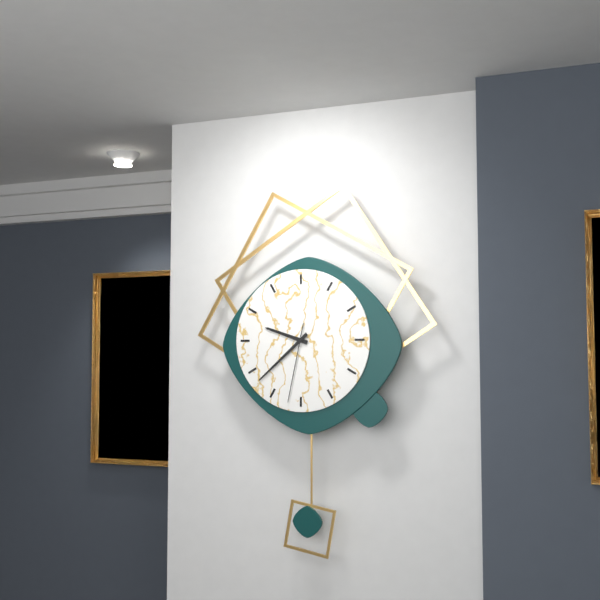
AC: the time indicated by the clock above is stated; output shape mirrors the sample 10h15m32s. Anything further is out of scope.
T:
9h38m32s
